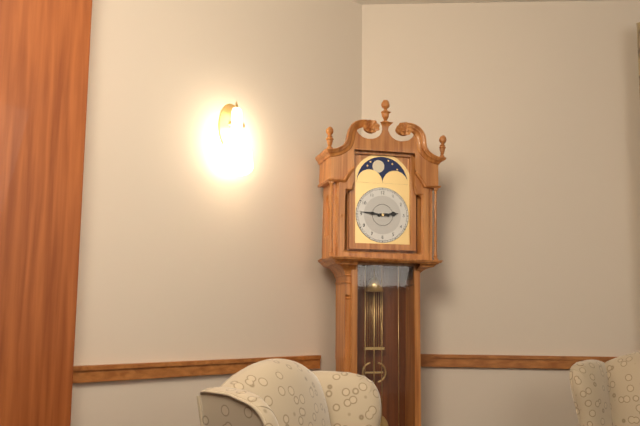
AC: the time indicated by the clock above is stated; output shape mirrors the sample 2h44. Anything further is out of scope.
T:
2h46
